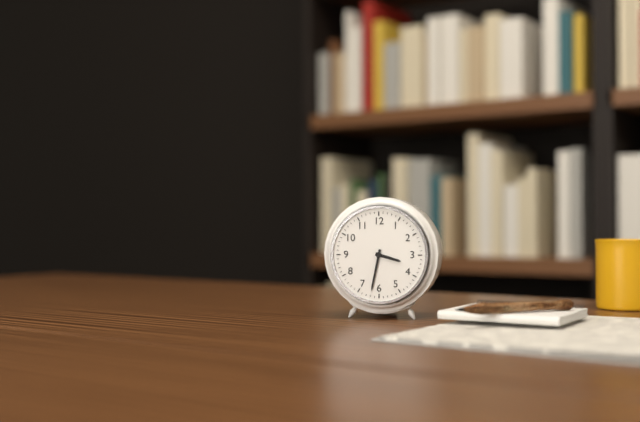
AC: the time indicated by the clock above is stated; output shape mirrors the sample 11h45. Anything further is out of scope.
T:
3h32
